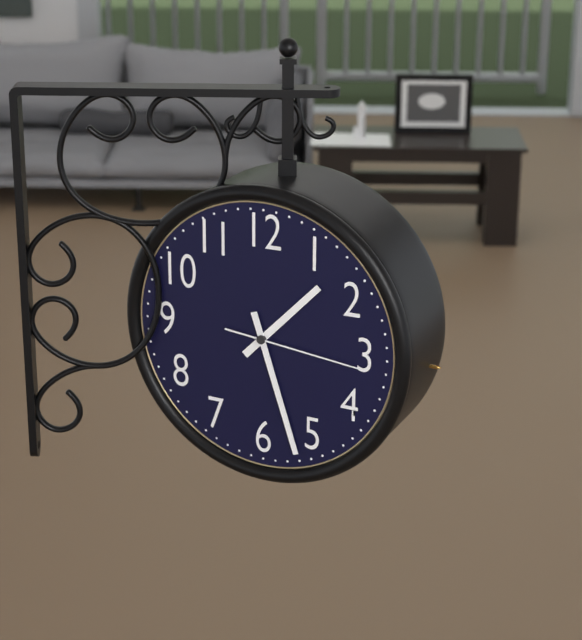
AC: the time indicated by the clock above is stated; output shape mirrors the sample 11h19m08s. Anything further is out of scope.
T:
1h27m16s
